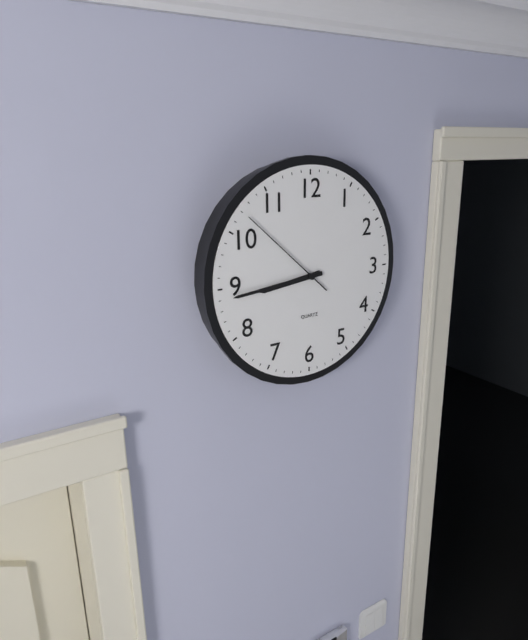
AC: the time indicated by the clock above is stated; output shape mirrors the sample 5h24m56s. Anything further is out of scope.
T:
8h44m52s
